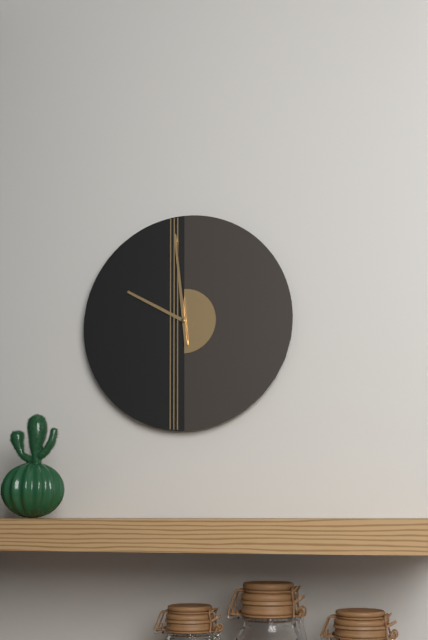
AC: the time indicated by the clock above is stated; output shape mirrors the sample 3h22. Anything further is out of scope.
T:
9h59
